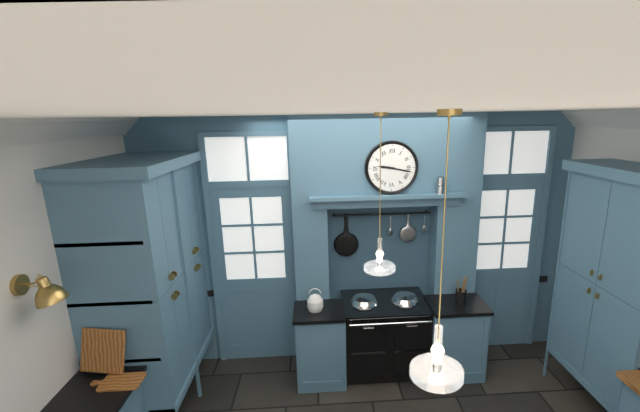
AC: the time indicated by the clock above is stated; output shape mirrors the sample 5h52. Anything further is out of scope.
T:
9h17
